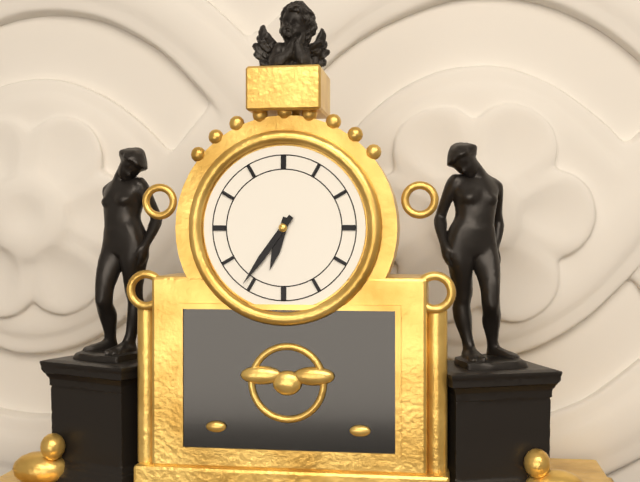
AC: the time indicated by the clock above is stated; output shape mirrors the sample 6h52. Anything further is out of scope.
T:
6h36
